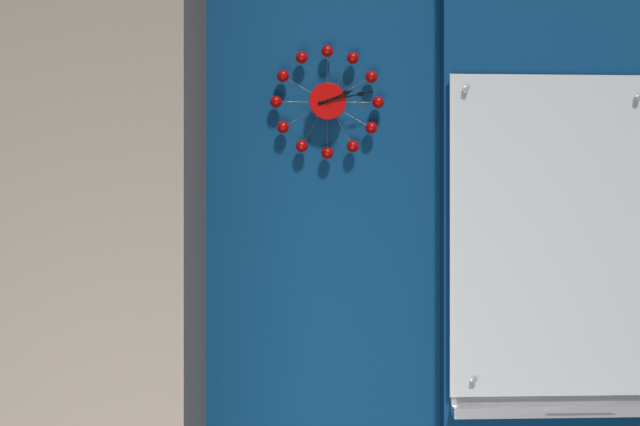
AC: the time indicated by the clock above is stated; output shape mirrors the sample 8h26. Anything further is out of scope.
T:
2h13
